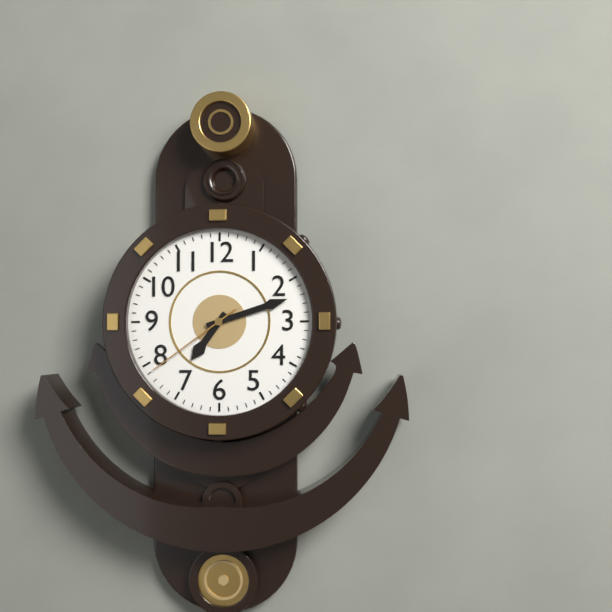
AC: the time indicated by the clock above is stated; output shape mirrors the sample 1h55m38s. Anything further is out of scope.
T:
7h12m39s
